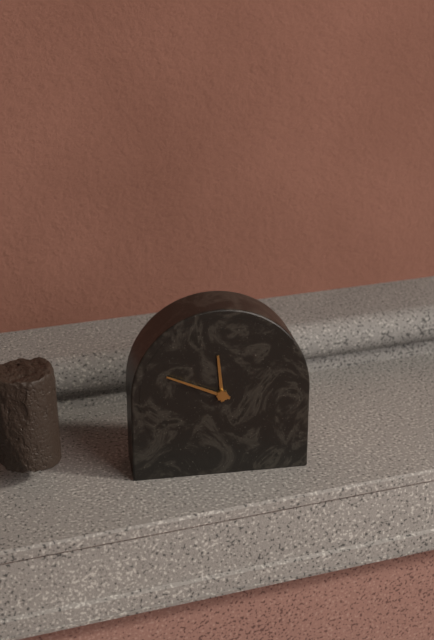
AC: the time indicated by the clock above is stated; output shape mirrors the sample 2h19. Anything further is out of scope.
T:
11h49
